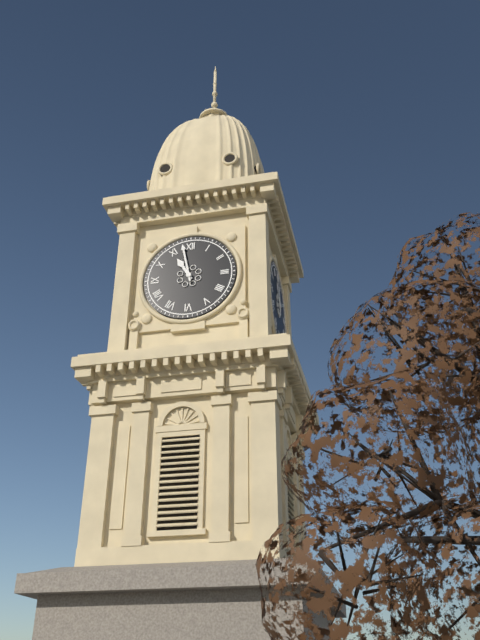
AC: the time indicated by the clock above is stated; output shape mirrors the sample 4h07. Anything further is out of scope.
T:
10h58
